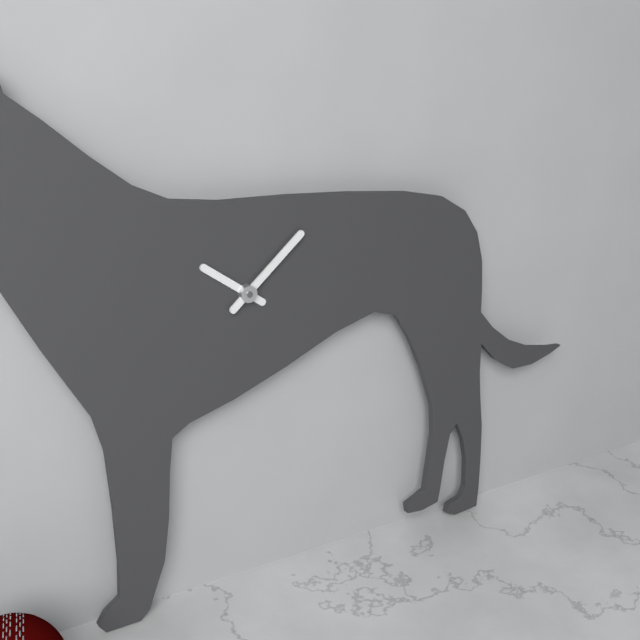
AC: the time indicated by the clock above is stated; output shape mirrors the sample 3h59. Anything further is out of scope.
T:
10h08
